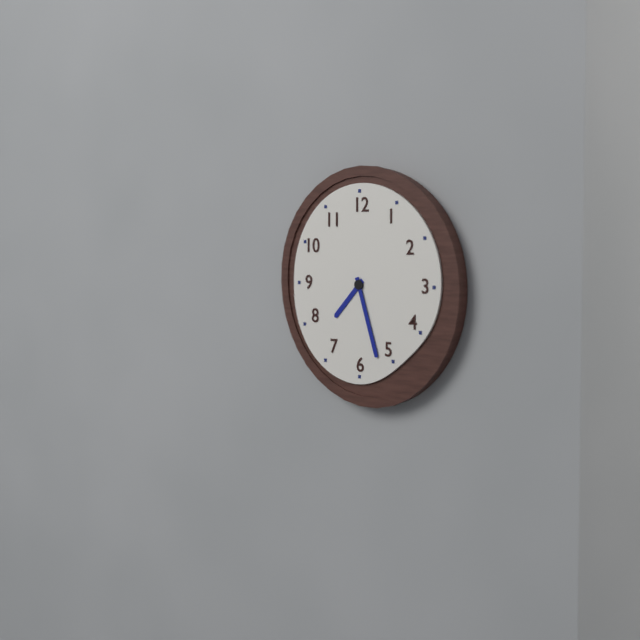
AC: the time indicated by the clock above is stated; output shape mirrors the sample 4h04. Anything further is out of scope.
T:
7h27
